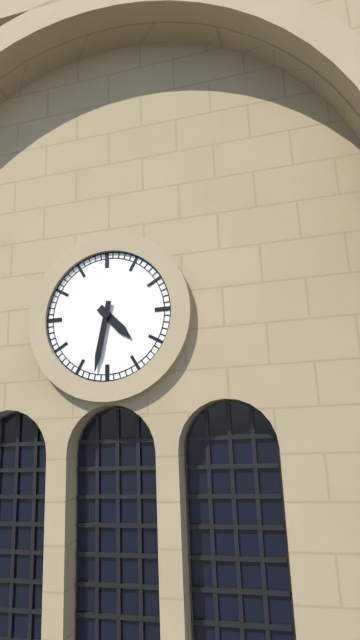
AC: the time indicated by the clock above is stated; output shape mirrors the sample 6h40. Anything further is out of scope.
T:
4h32
